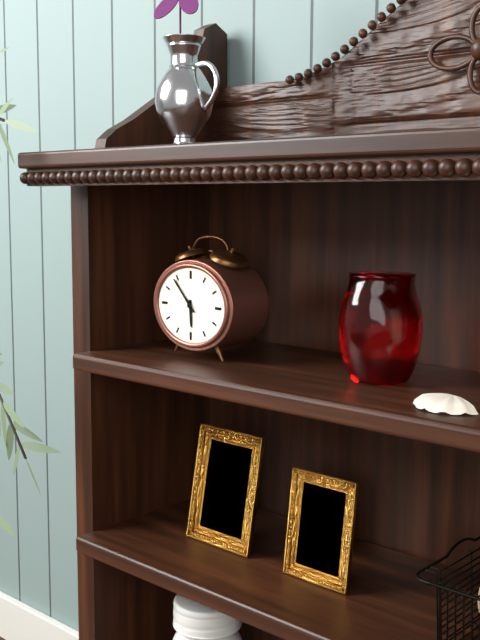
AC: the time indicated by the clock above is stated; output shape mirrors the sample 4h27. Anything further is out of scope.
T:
5h53
